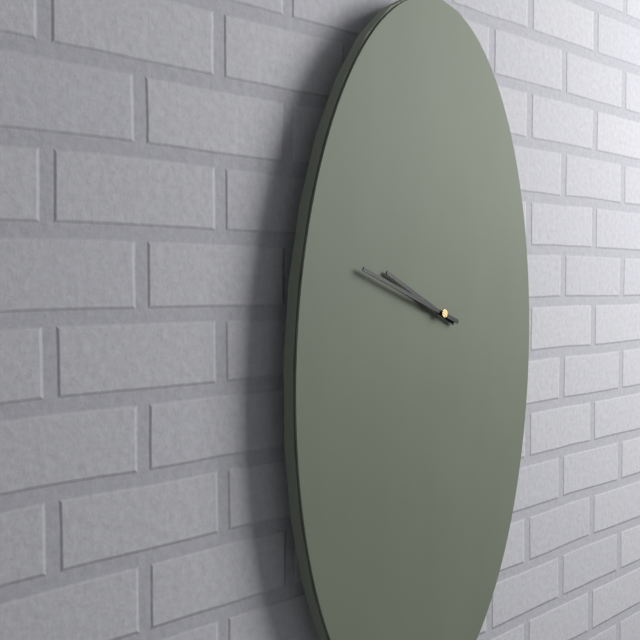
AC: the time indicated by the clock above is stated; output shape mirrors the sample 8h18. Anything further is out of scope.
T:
9h48
